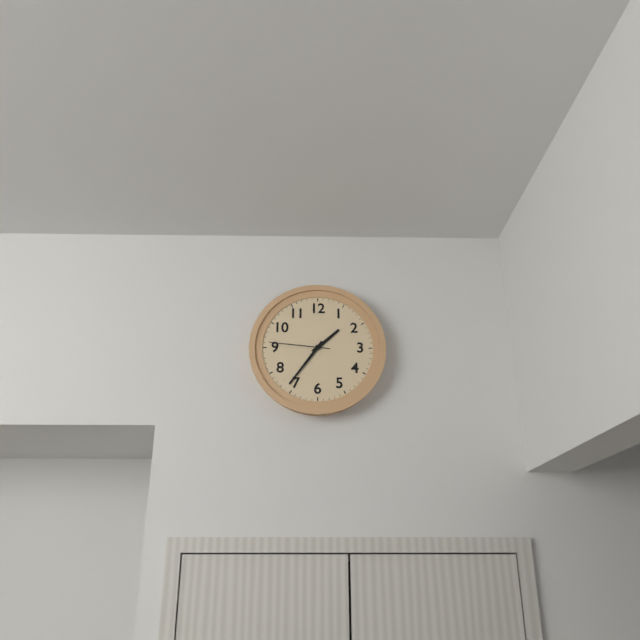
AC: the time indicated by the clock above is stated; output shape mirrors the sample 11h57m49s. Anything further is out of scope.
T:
1h36m46s
